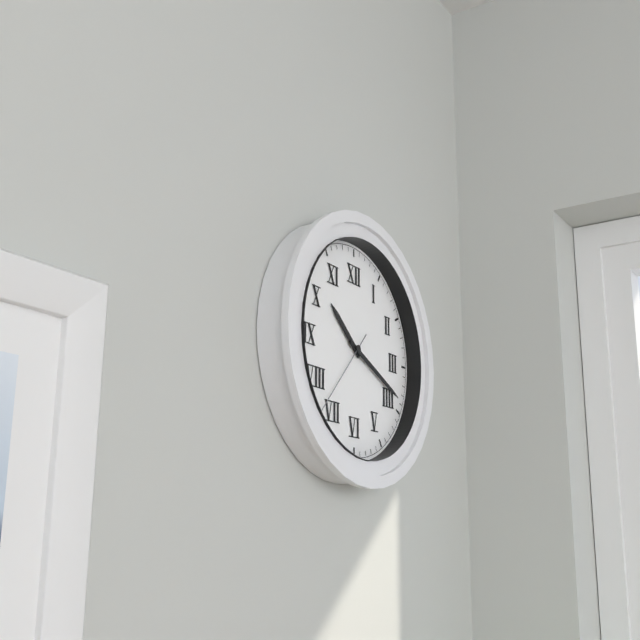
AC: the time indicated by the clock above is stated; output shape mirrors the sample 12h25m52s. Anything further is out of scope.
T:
10h19m37s
